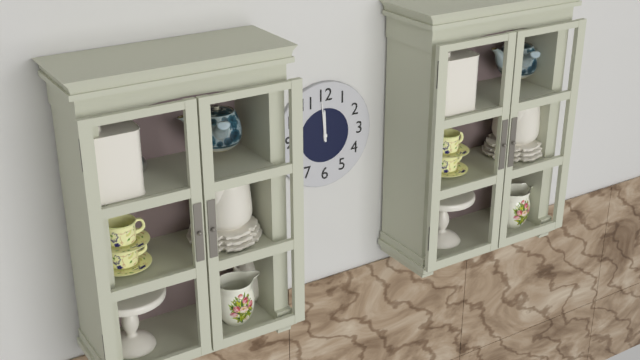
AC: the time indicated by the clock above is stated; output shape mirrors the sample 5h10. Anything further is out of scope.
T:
11h59
